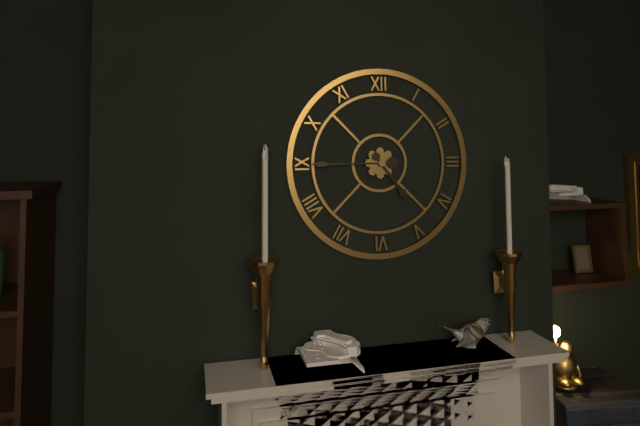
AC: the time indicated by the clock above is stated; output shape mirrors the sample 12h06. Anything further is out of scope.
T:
4h45
